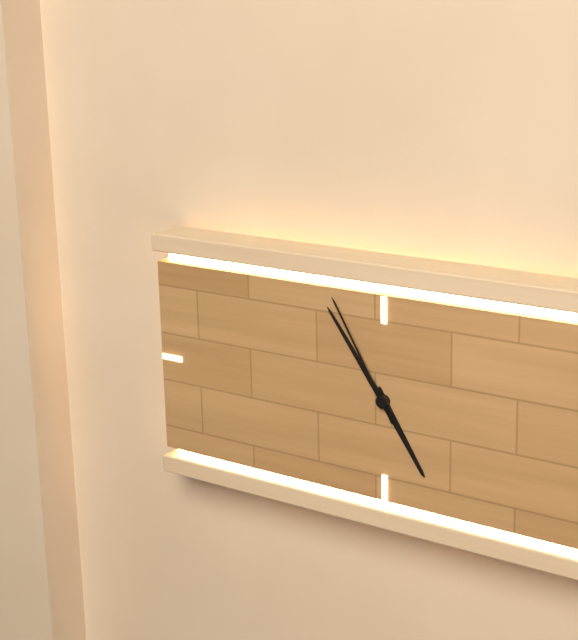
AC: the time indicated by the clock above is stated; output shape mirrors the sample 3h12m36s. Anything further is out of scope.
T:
4h54m55s
